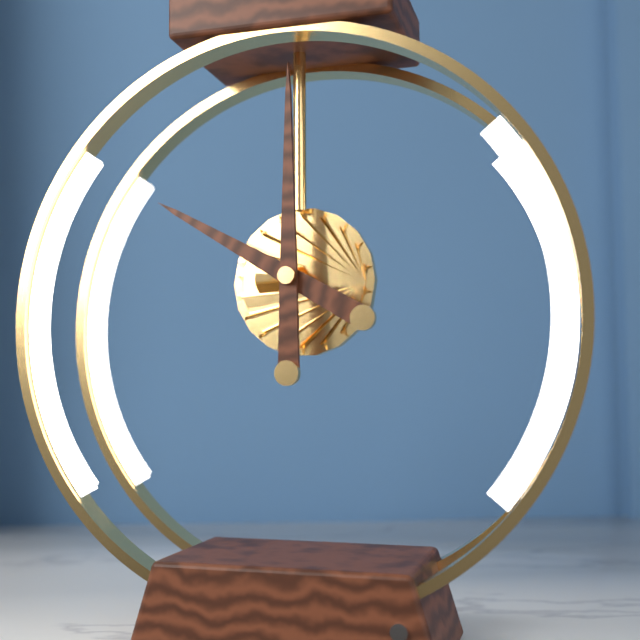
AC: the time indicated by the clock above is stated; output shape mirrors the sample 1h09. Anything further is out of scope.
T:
10h00
